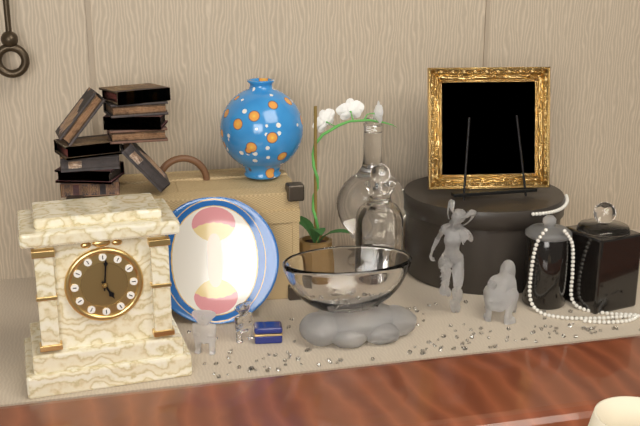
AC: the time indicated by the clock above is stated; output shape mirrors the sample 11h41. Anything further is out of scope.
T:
5h01
